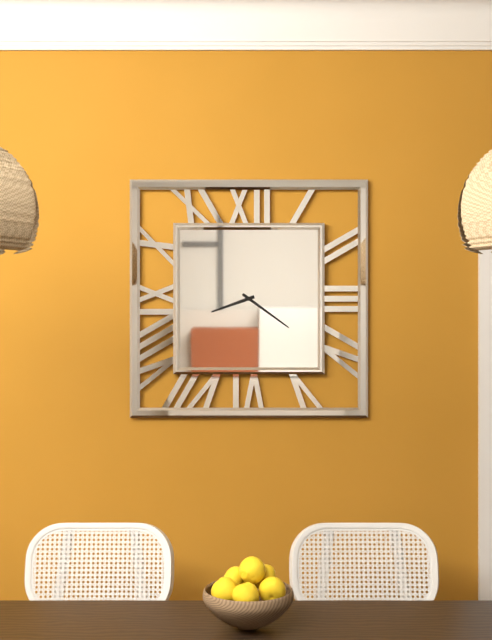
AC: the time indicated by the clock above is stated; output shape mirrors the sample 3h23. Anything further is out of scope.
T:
8h21
